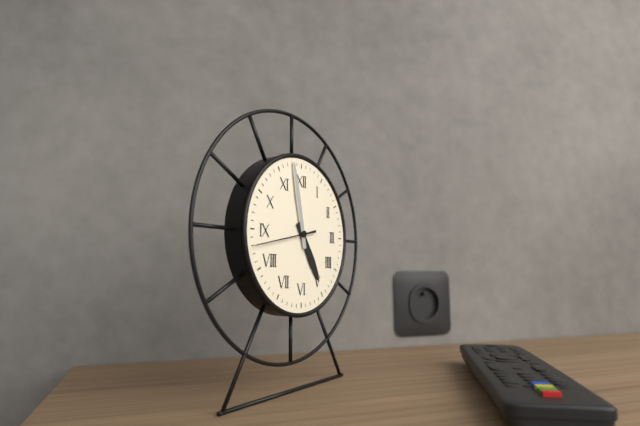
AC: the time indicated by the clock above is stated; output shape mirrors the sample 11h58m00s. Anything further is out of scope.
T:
4h58m43s
